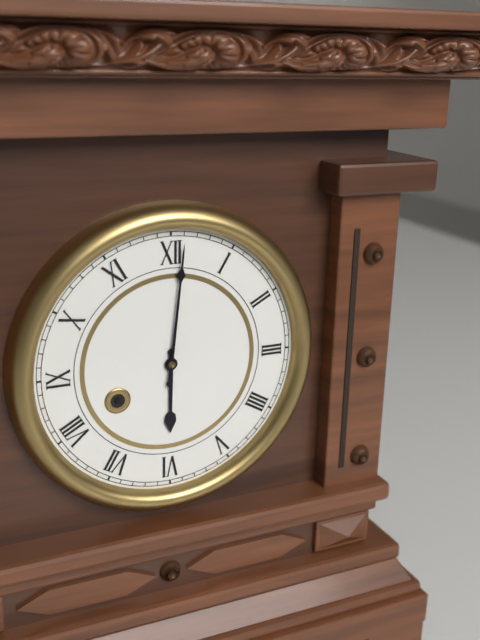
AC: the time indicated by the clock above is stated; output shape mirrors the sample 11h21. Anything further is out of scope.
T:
6h01
